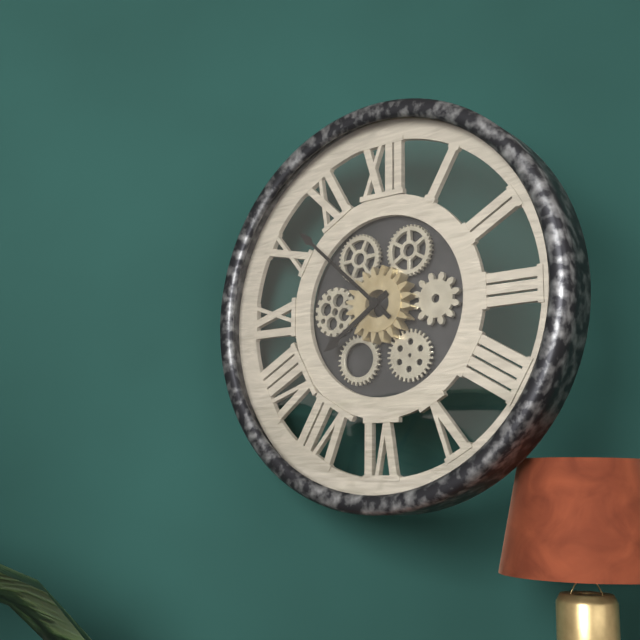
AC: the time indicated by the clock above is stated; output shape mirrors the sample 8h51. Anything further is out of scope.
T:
7h52
